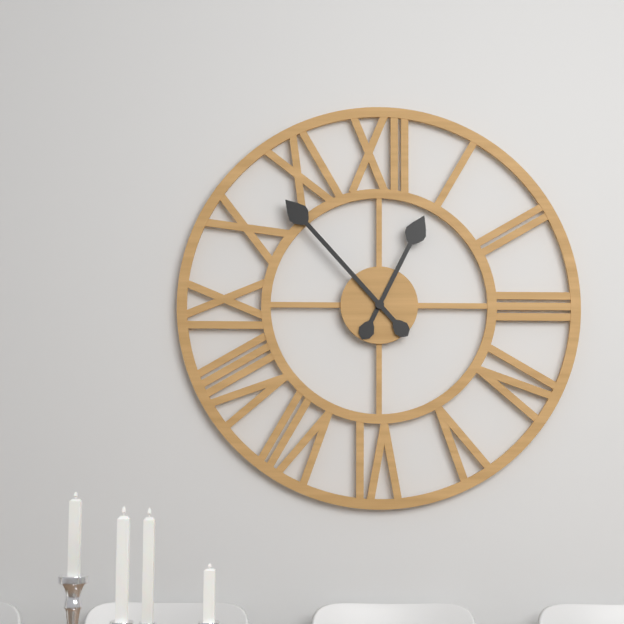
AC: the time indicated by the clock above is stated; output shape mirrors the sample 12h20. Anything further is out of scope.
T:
12h53
